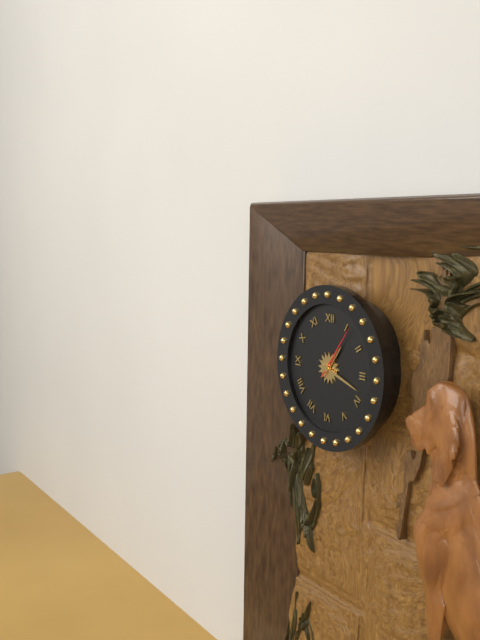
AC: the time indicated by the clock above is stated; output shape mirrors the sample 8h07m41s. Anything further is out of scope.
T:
1h18m06s
